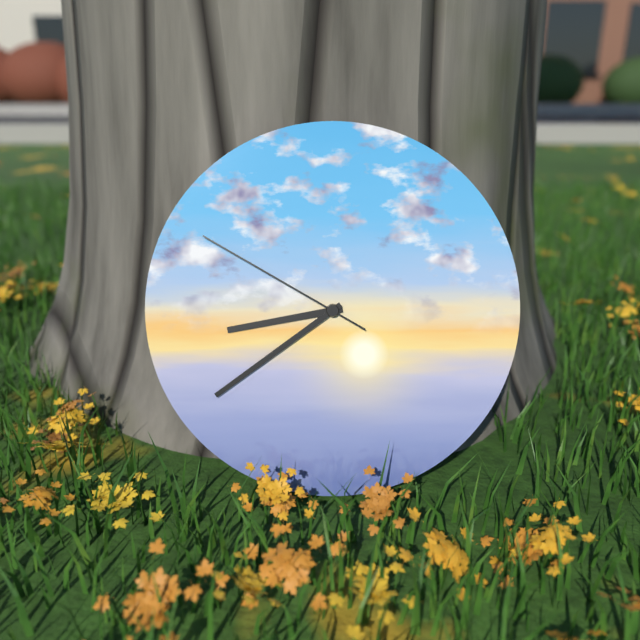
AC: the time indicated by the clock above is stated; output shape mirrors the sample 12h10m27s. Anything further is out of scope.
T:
8h39m50s
